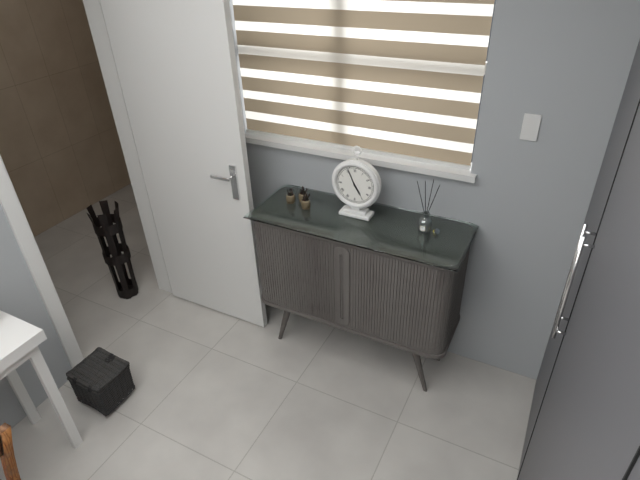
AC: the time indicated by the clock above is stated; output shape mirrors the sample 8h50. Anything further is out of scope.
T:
4h56
